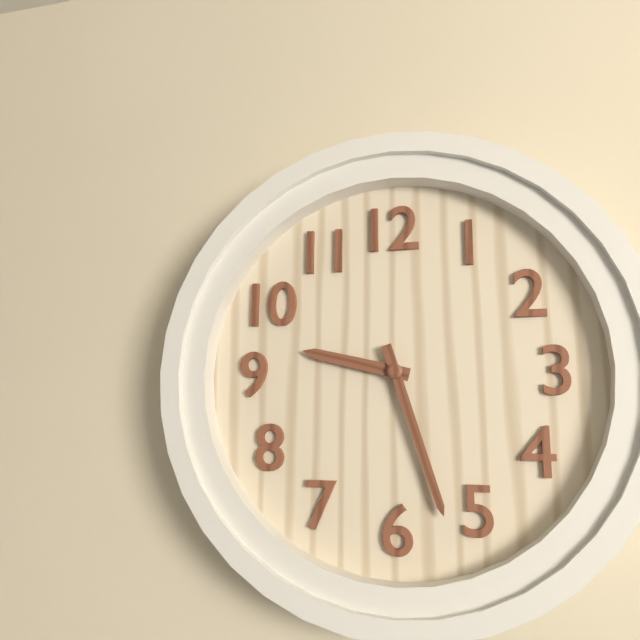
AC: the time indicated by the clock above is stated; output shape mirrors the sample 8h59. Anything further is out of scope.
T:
9h27
